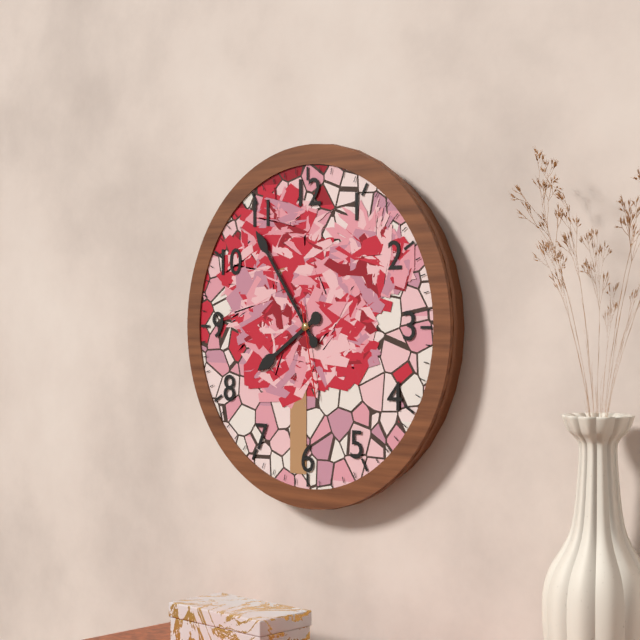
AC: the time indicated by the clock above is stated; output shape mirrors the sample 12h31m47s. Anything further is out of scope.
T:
7h54m28s
